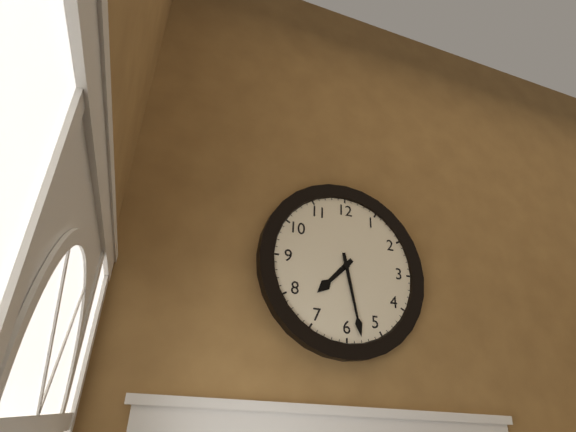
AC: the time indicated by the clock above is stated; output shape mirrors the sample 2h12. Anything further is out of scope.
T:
7h28
